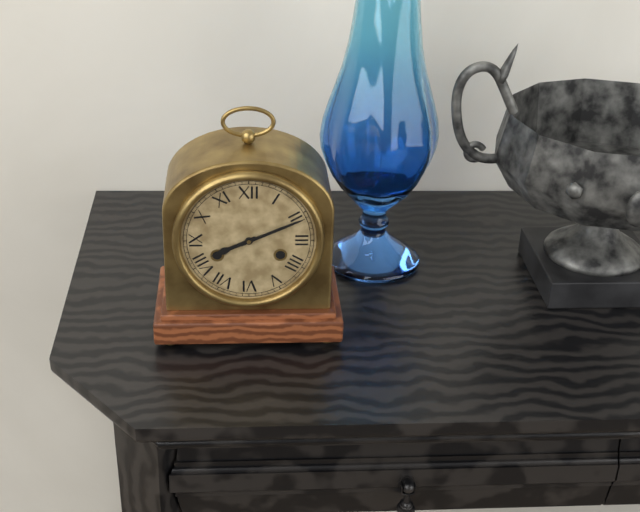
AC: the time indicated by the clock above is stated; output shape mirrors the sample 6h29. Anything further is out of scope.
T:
8h11
